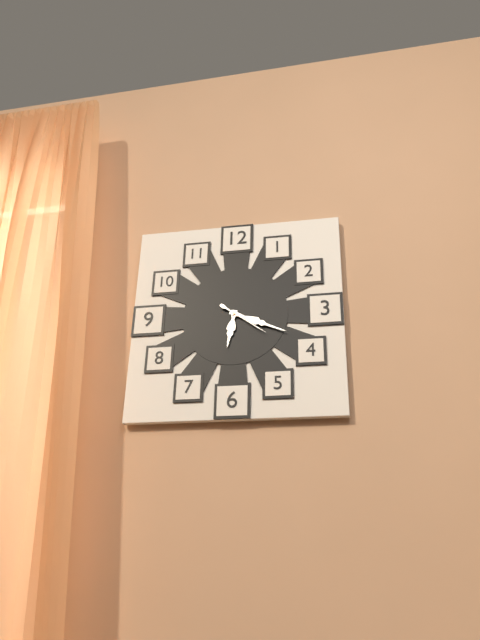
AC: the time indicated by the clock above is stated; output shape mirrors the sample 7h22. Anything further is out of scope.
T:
6h19
